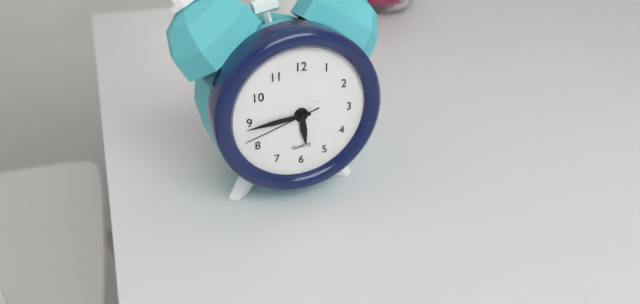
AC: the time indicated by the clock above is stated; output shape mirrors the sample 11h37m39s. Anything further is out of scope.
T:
5h44m42s
